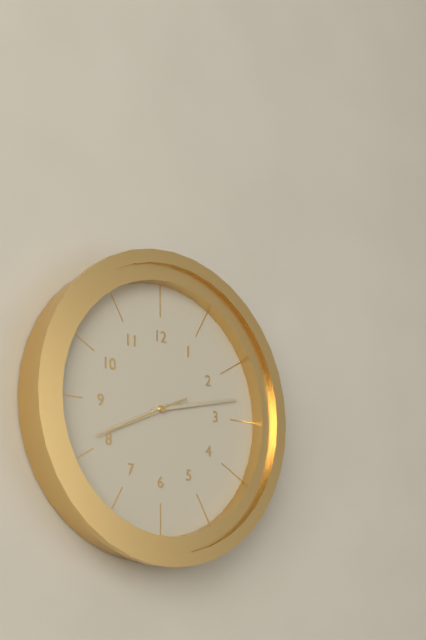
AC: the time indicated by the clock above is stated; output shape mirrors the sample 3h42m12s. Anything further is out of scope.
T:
8h13m41s
